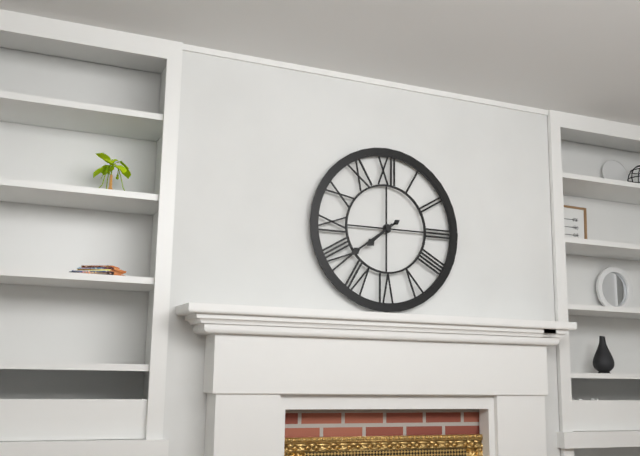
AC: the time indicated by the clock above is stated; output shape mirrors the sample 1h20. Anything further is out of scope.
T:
7h39
